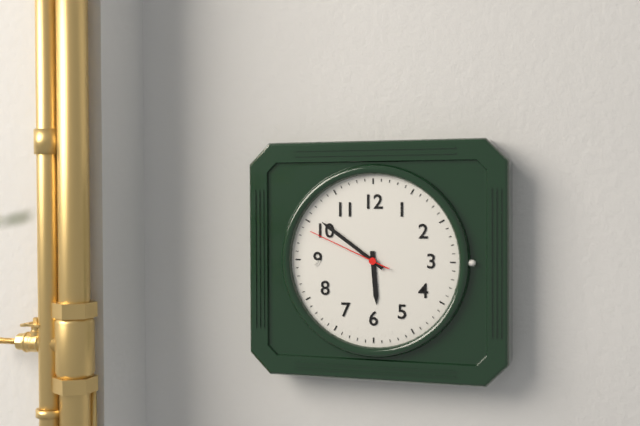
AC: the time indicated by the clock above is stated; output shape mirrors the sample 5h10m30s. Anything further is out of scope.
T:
5h51m49s
